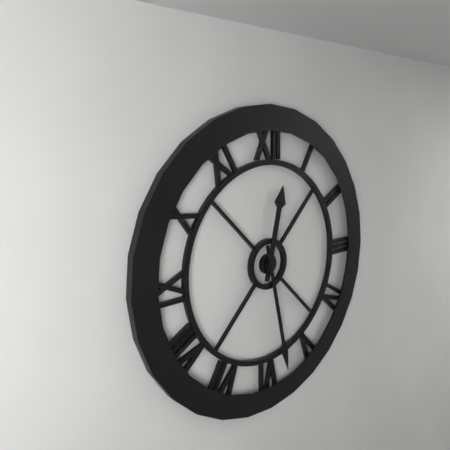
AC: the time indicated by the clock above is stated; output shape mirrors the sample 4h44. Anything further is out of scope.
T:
12h28
